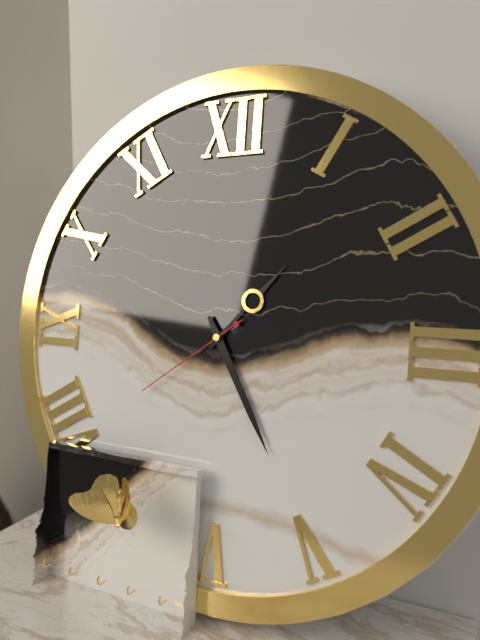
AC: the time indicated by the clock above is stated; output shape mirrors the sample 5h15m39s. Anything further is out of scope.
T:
1h25m39s
